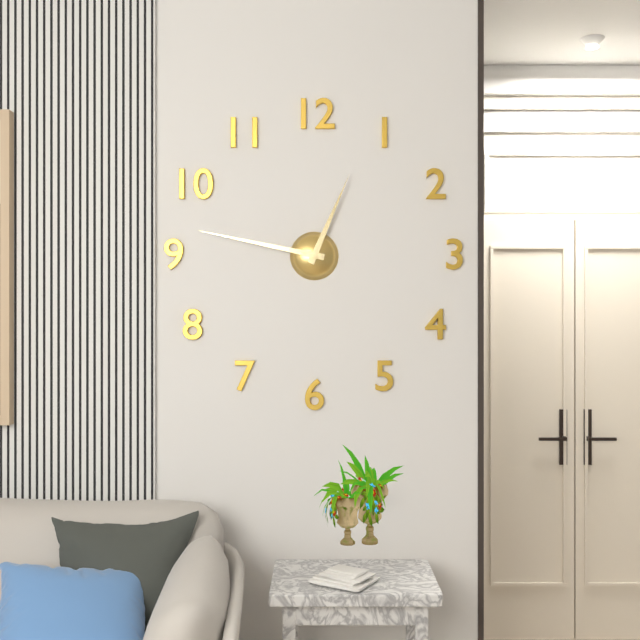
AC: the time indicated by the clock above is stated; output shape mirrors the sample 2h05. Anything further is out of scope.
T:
12h47
